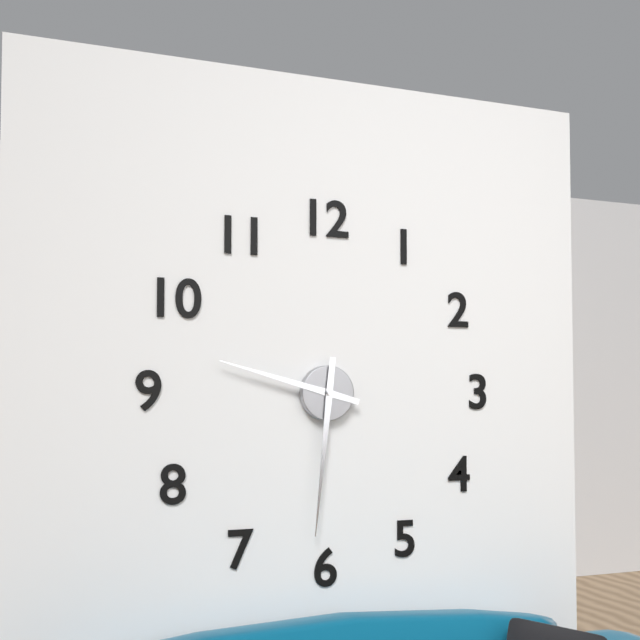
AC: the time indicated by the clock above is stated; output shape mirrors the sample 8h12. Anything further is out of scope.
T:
9h31
